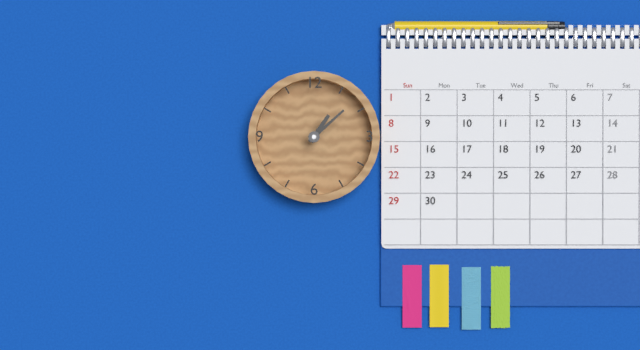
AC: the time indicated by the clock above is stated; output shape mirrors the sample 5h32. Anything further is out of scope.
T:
1h08
